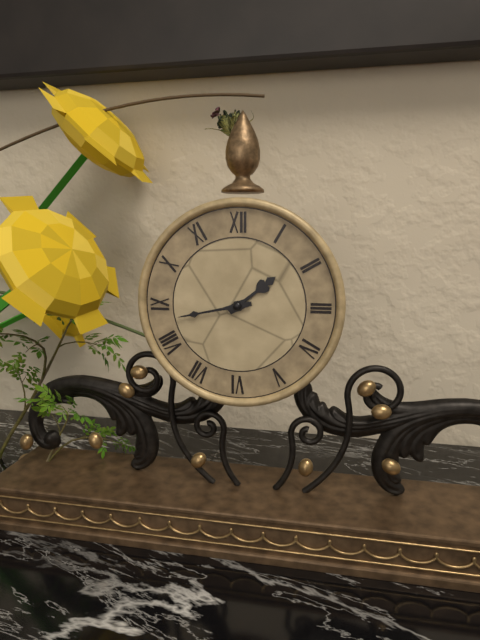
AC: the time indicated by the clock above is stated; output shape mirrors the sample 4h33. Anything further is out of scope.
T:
1h43
